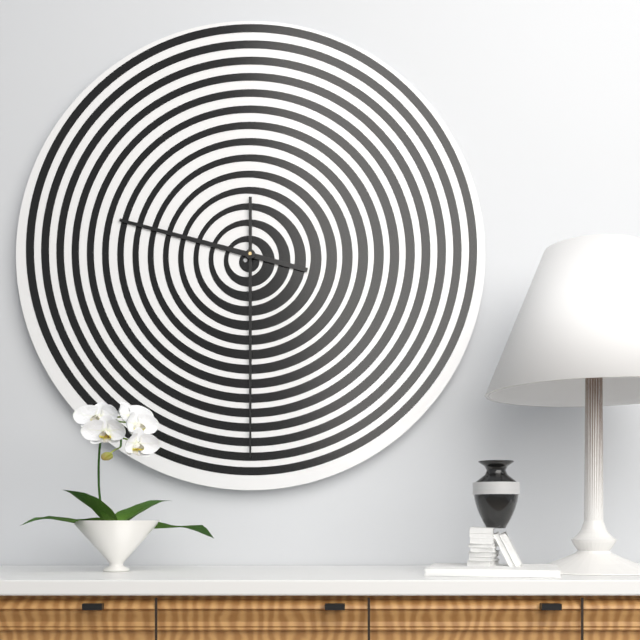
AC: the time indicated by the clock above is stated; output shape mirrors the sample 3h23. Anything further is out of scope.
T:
9h30
